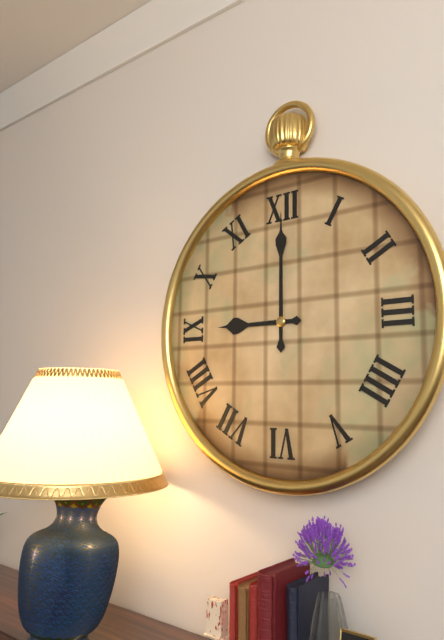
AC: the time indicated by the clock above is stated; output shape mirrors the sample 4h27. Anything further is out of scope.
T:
9h00
